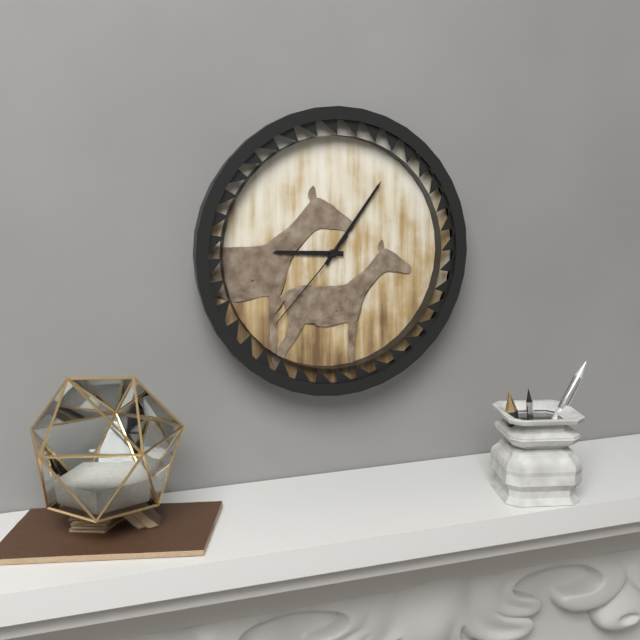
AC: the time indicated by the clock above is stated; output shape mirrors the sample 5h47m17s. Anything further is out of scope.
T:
9h06m37s
